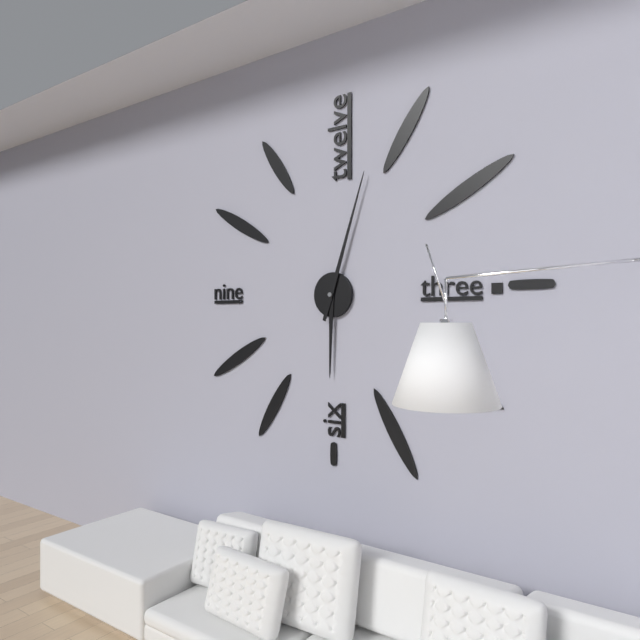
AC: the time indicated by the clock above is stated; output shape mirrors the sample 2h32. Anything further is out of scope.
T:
6h03
